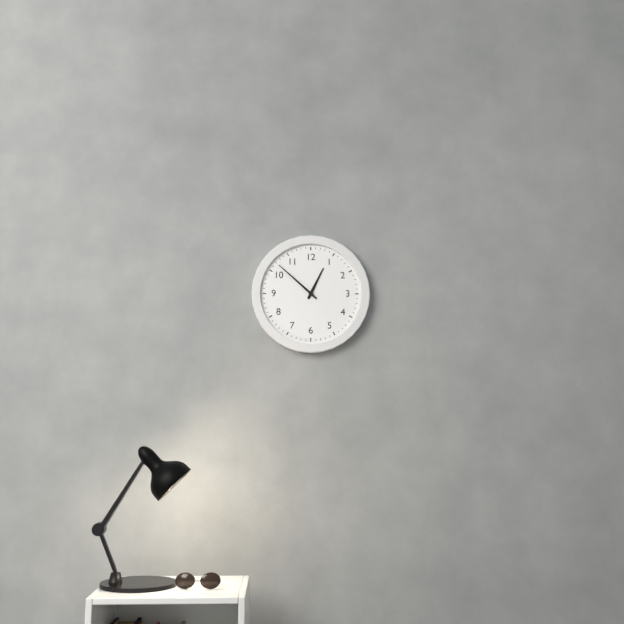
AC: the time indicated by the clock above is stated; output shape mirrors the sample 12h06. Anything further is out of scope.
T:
12h52
